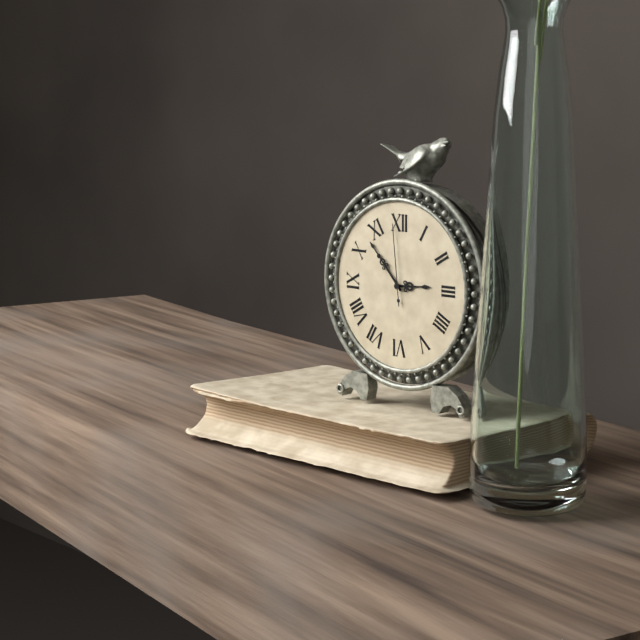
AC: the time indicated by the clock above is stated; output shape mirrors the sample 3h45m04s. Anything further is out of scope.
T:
2h53m59s
